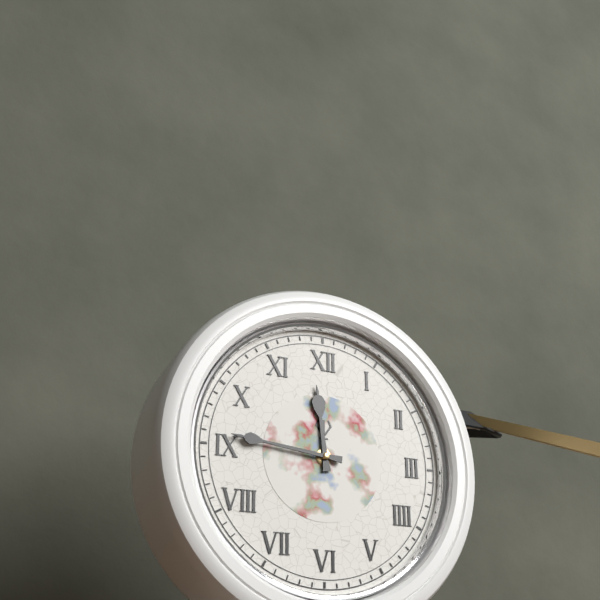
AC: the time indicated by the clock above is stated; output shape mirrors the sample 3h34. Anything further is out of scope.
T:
11h46
